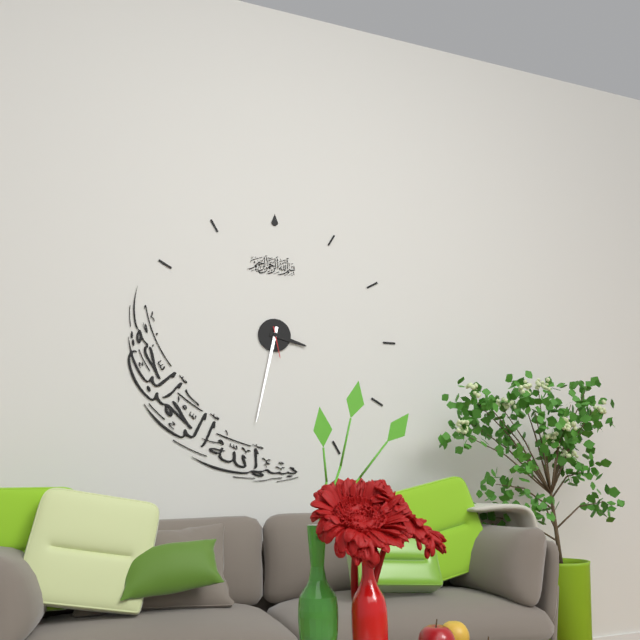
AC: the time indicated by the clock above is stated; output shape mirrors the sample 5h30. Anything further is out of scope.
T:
3h32
